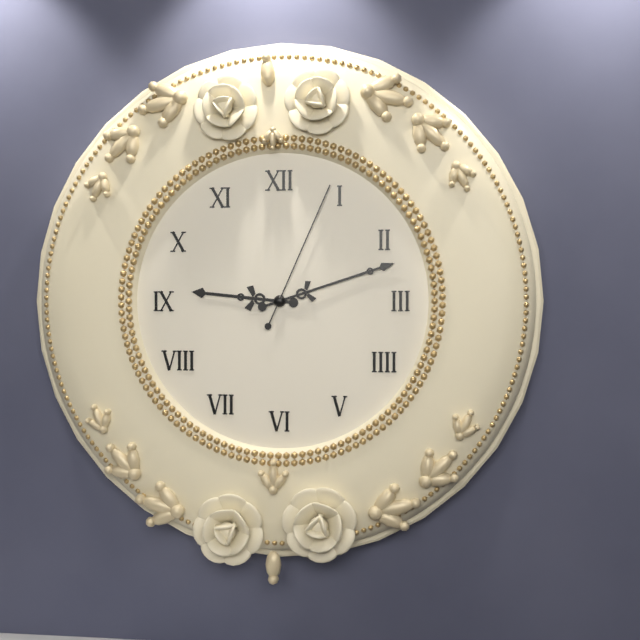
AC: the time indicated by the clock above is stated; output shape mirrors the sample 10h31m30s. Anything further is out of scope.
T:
9h12m04s
